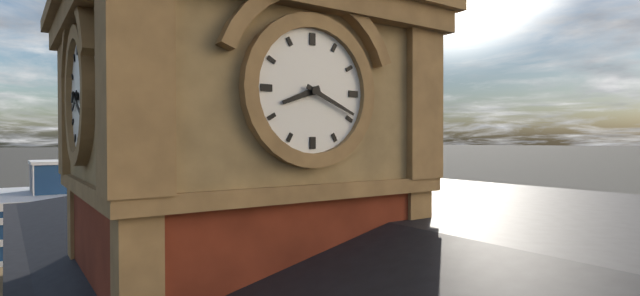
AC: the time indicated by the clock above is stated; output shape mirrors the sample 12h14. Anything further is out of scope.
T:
8h19
